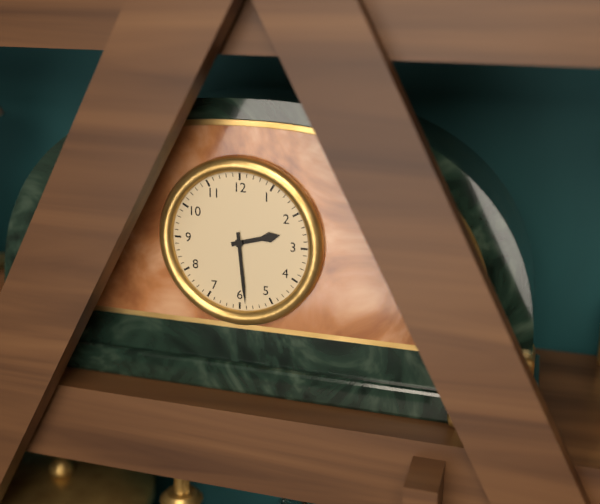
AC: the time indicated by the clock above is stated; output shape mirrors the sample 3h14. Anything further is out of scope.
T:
2h29
